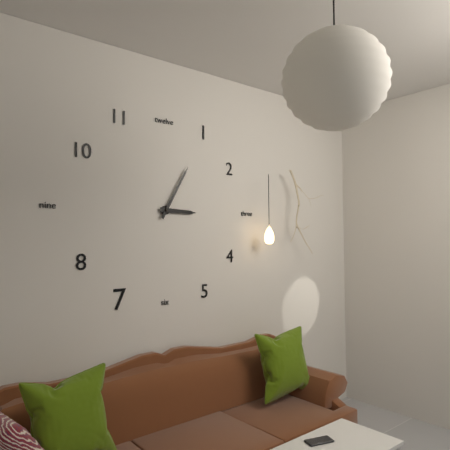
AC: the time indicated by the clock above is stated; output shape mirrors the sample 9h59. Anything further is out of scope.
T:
3h05
